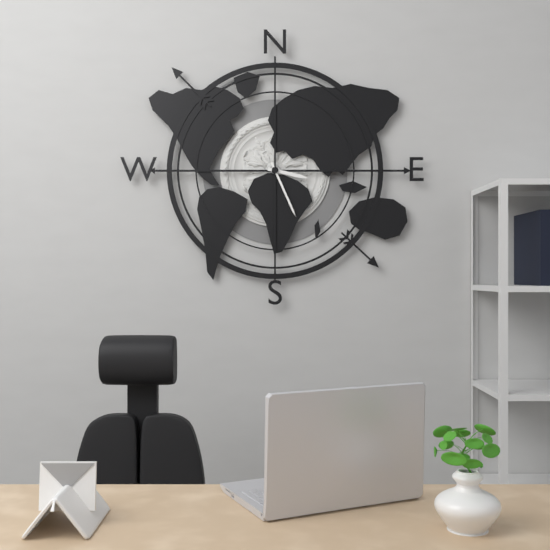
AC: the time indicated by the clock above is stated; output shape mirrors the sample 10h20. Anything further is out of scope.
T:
3h26
